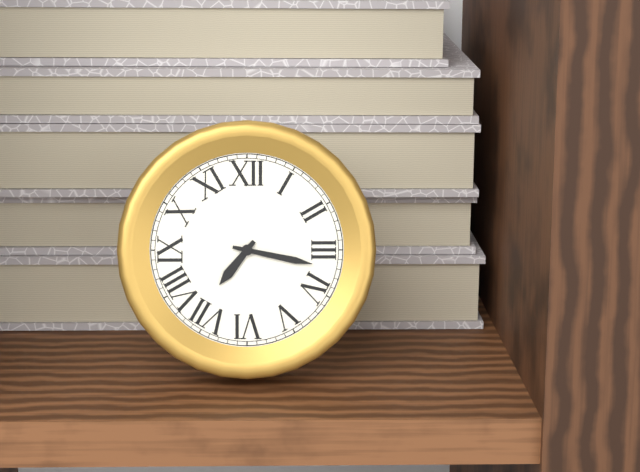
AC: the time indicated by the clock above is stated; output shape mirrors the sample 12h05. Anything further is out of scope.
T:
7h17
